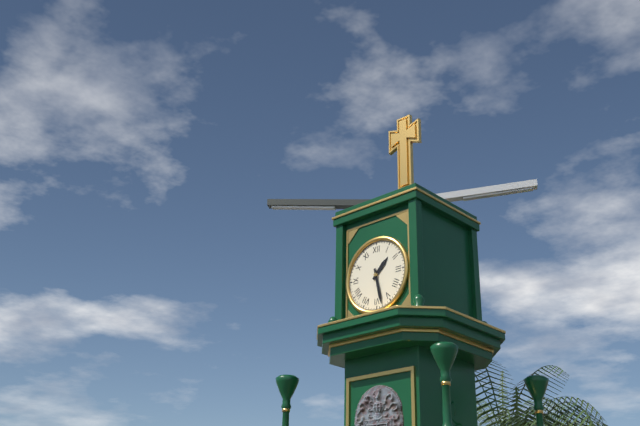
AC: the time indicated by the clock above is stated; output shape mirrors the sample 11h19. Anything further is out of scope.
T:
1h28
